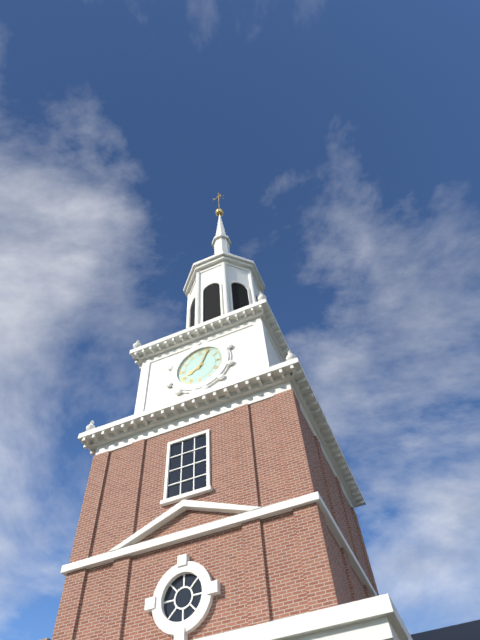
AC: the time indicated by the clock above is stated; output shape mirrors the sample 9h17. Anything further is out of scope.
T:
8h04
